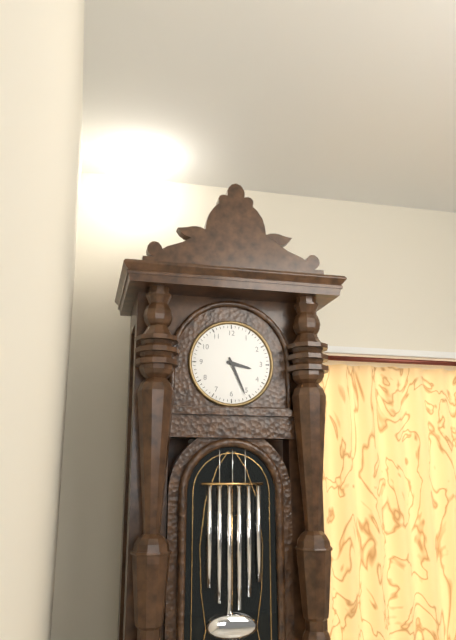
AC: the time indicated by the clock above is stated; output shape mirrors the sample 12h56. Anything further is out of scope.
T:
3h26
